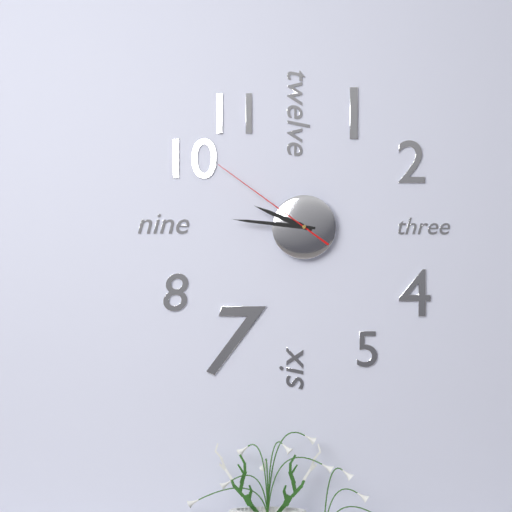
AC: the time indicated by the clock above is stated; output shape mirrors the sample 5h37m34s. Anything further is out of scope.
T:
9h46m51s
